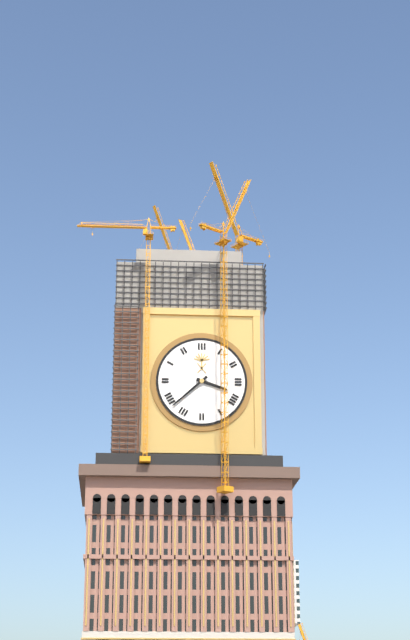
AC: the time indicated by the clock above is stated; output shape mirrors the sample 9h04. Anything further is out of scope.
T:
3h38
